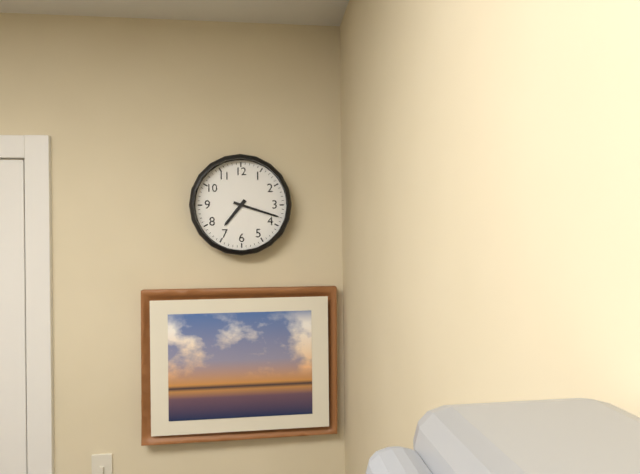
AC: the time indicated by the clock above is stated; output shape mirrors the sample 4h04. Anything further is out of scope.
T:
7h18
